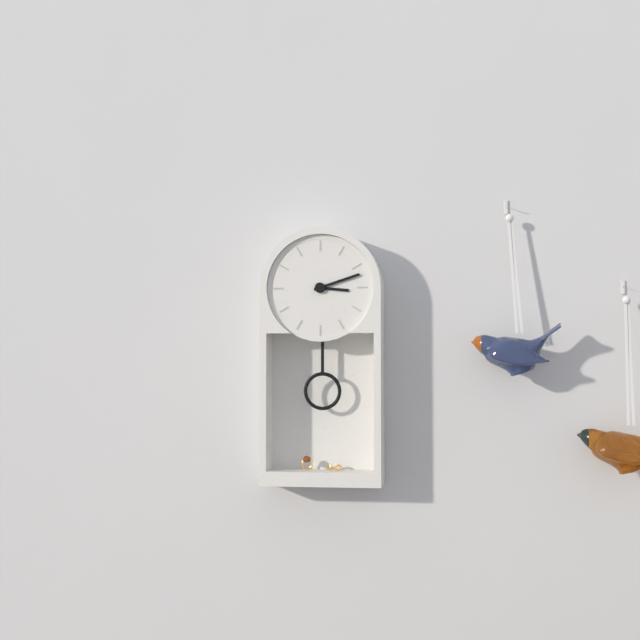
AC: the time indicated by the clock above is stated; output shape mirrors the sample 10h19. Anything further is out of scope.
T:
3h12
